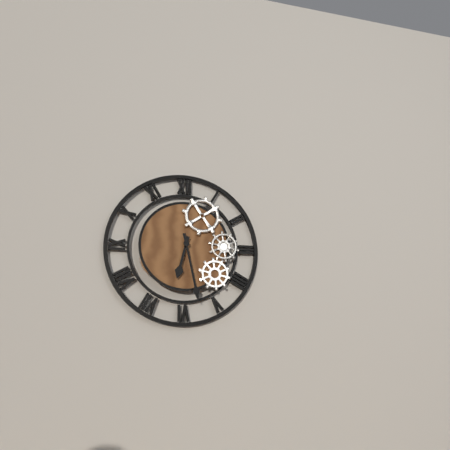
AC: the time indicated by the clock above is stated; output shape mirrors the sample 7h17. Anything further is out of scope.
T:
6h28
